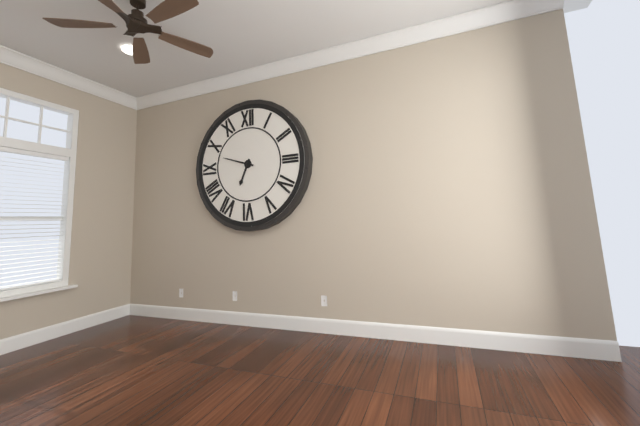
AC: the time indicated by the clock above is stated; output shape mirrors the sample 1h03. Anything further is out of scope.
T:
6h48
